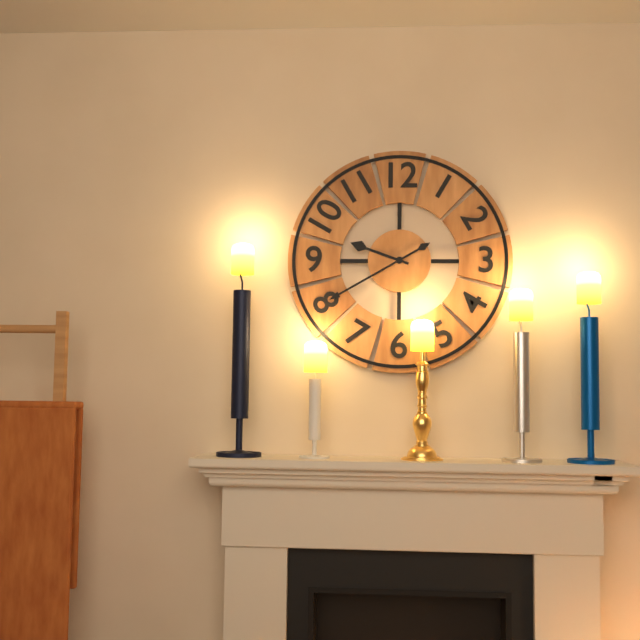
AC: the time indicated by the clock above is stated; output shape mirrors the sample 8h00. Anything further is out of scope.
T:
9h40
